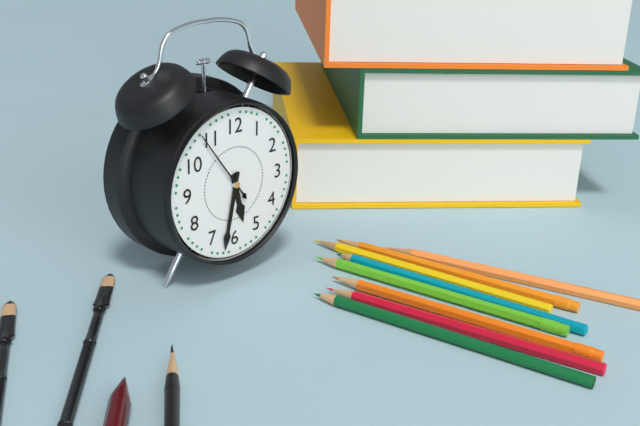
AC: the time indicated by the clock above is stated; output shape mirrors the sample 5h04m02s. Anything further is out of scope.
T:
5h32m54s
